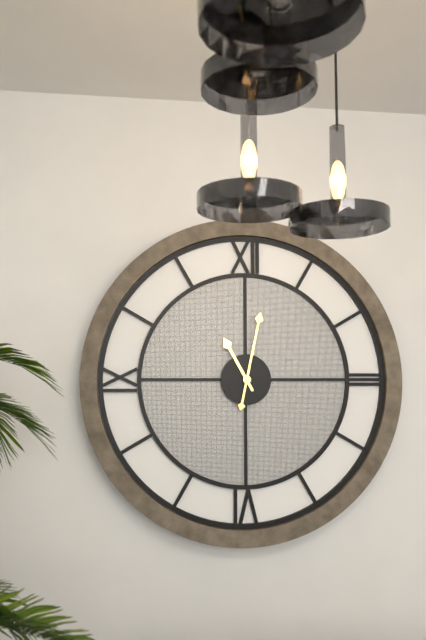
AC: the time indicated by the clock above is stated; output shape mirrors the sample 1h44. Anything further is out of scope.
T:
11h02
